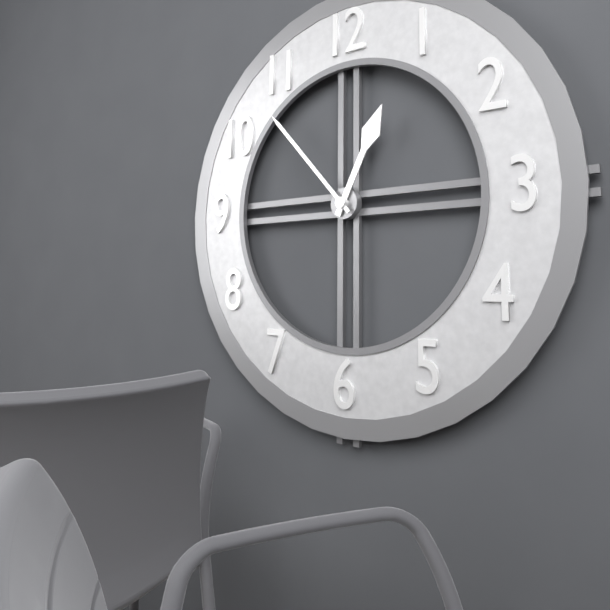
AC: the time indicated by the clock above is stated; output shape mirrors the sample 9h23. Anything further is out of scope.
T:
12h53
